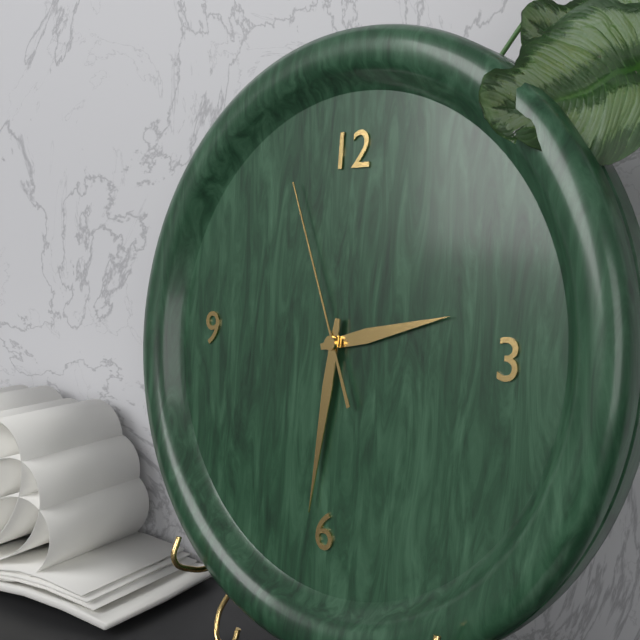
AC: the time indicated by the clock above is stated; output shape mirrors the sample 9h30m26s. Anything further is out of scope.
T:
2h31m56s
